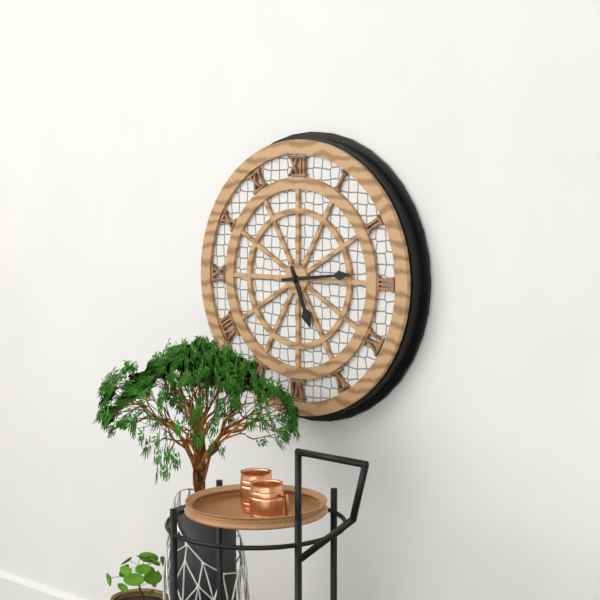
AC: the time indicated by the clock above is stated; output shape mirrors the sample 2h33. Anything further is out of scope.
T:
5h14
